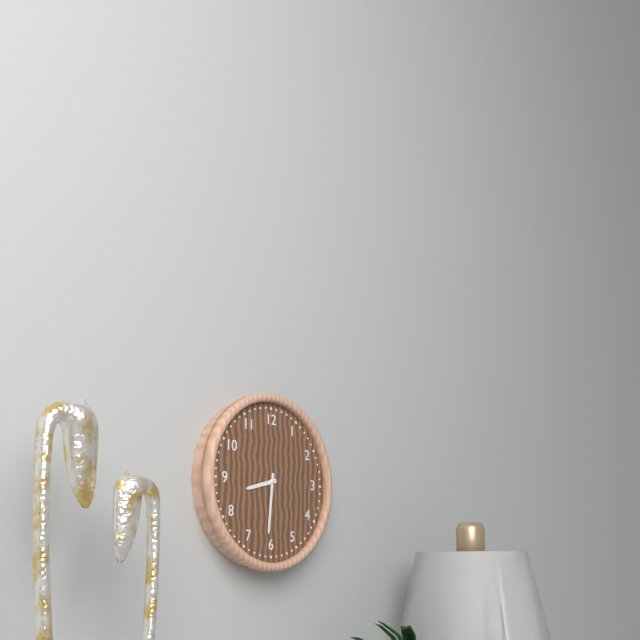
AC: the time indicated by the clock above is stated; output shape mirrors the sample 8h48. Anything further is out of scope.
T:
8h31
